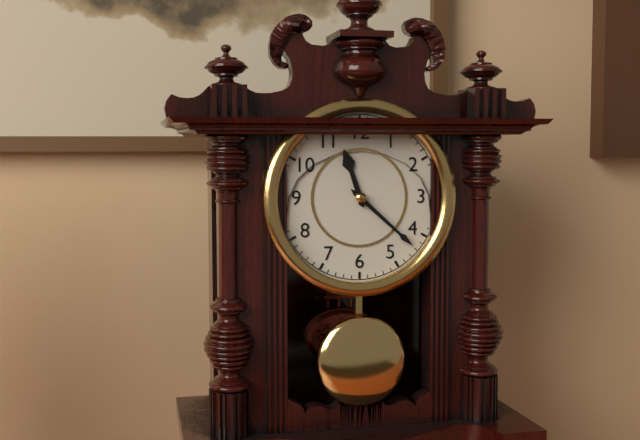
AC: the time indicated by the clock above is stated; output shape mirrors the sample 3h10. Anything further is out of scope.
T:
11h22
